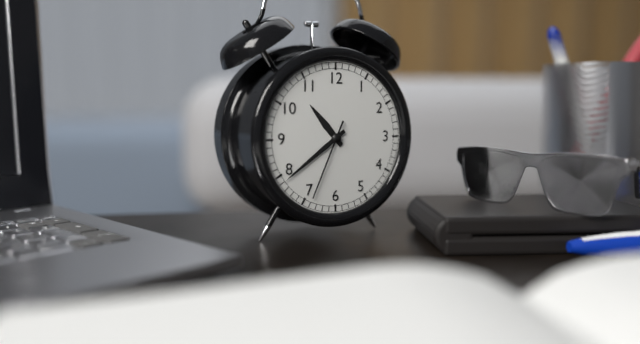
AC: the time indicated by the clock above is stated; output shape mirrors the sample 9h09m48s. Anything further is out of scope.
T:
10h39m34s
